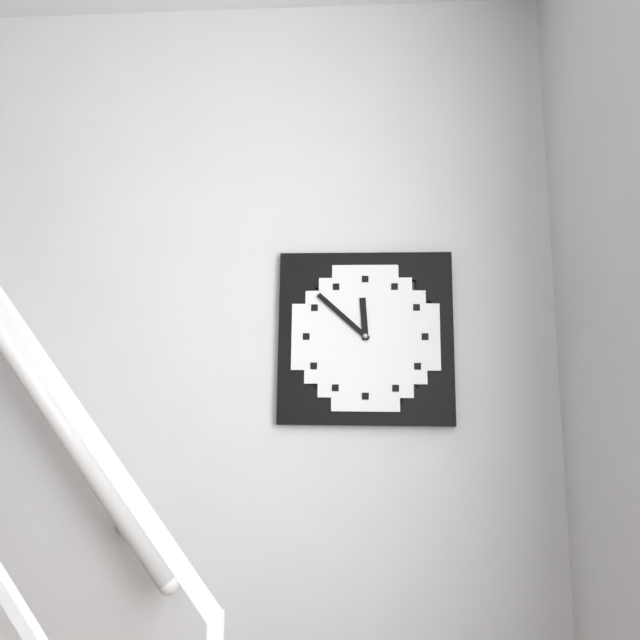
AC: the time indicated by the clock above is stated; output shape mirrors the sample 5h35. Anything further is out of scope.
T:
11h52
